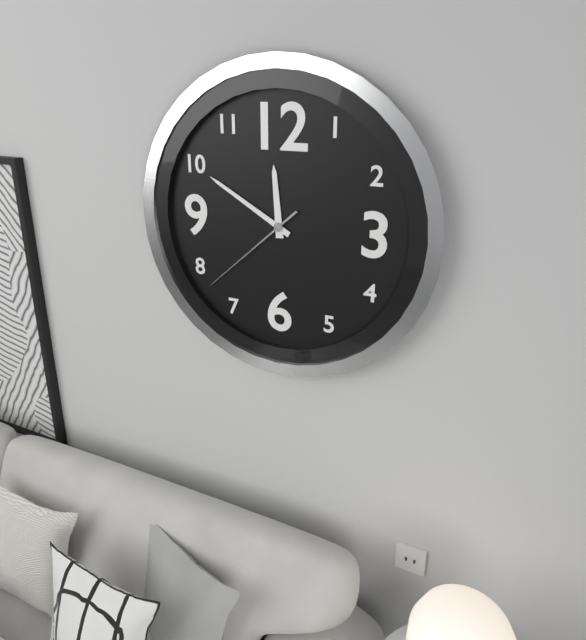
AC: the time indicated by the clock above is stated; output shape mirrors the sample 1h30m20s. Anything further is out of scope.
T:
11h50m38s
